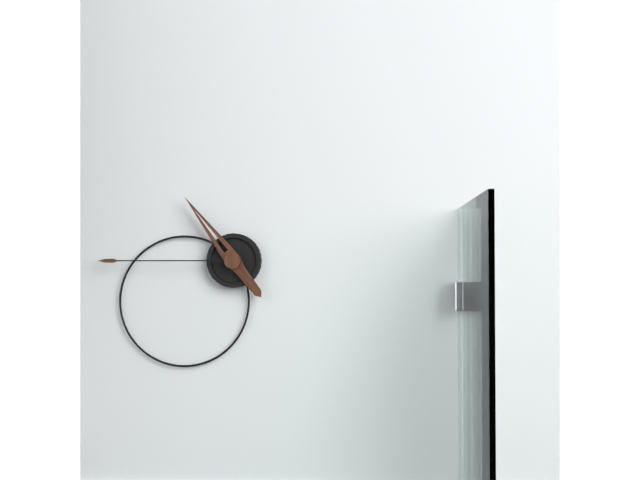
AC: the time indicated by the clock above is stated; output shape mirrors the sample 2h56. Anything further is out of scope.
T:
10h45
